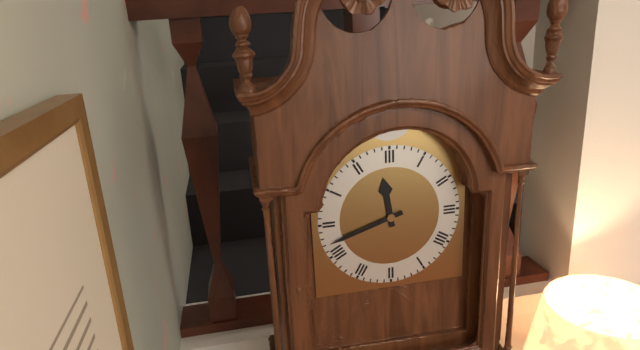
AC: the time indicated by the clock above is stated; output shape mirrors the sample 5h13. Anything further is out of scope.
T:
11h42
